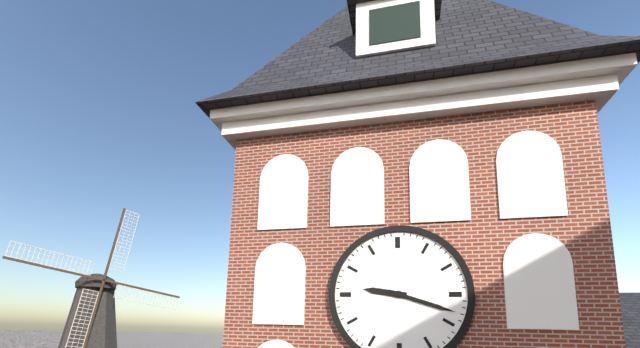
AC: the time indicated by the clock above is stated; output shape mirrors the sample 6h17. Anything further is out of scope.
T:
9h18
